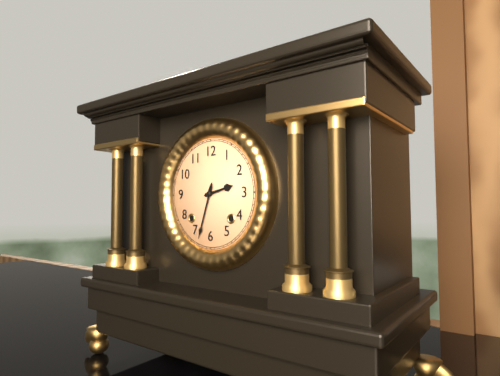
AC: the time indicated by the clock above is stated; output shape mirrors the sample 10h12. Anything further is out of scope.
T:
2h33
